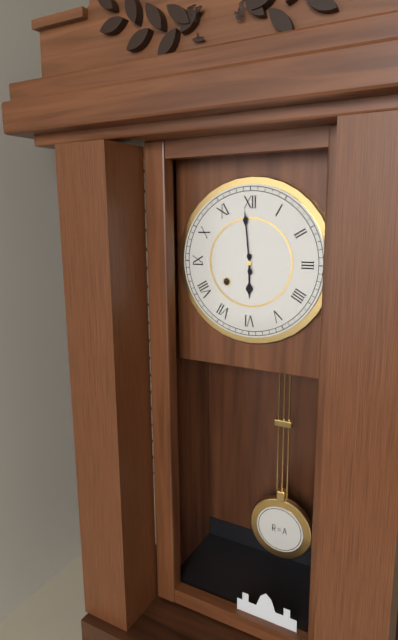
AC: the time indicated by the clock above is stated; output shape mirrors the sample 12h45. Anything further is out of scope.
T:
5h59
